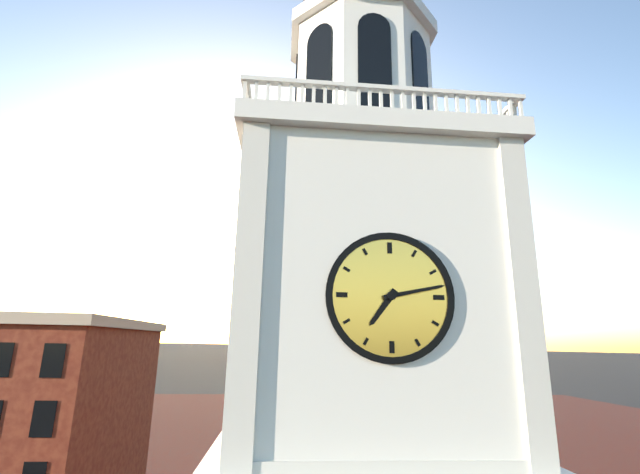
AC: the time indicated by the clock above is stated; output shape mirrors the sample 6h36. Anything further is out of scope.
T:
7h13
